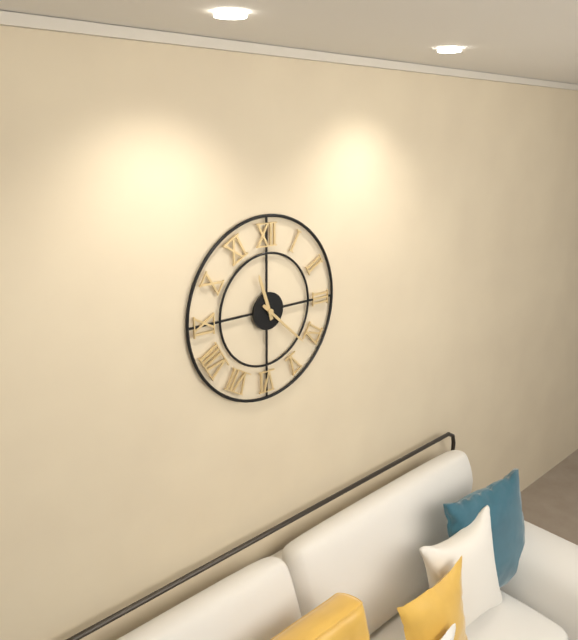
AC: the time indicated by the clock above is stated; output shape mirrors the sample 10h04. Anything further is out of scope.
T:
11h22
